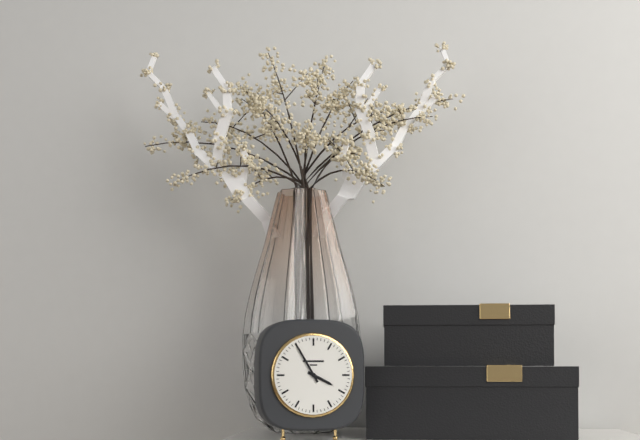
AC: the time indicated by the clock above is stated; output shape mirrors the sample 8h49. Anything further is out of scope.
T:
3h55
